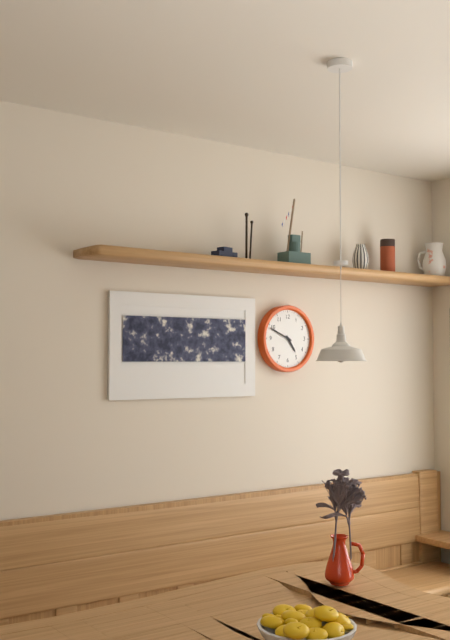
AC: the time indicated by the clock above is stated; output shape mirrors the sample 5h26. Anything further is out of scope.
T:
4h49
